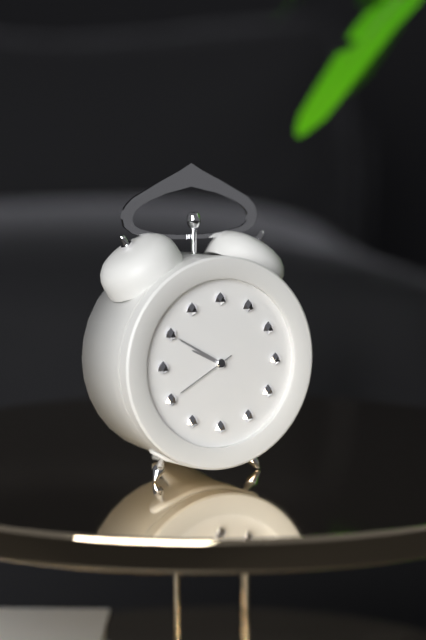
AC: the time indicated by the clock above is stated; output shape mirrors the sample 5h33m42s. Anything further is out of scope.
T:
9h50m40s
